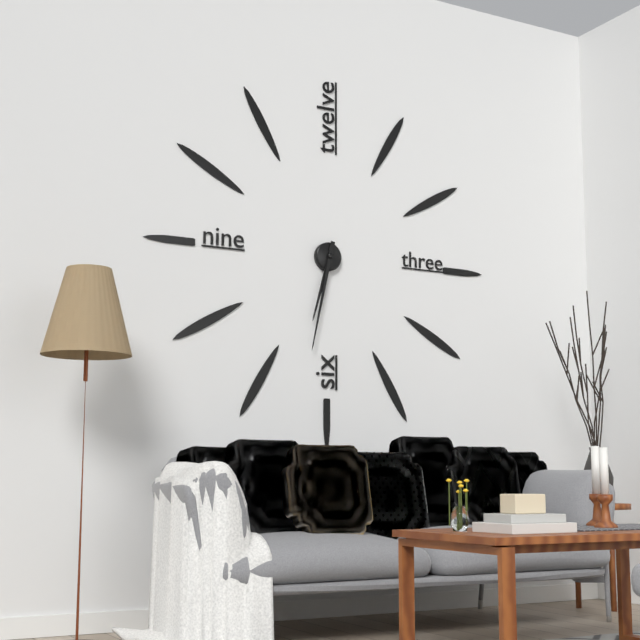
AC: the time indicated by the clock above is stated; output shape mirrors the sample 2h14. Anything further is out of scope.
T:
6h32
